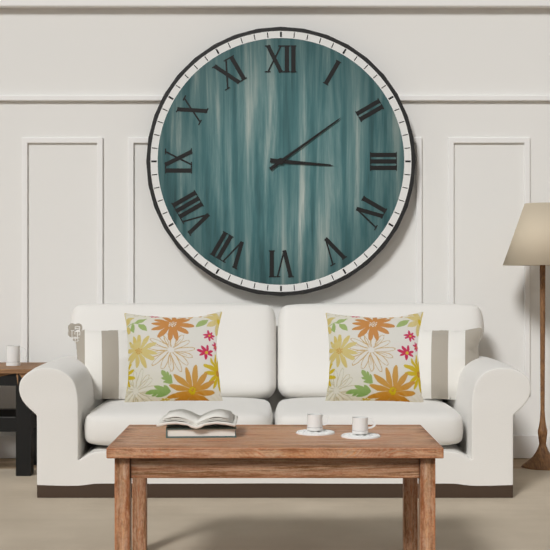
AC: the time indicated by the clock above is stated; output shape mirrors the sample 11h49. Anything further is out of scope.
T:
3h09
